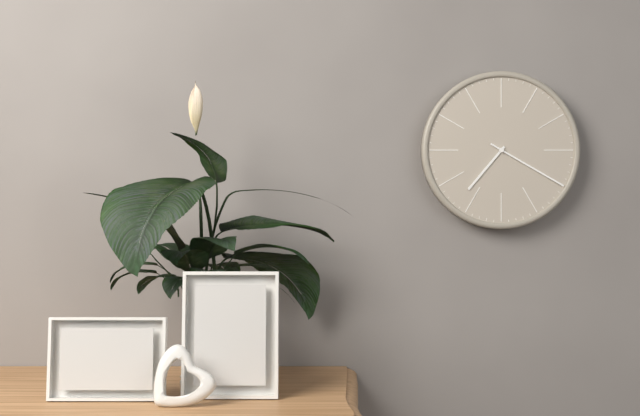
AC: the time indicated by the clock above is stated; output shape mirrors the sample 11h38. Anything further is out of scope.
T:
7h20
